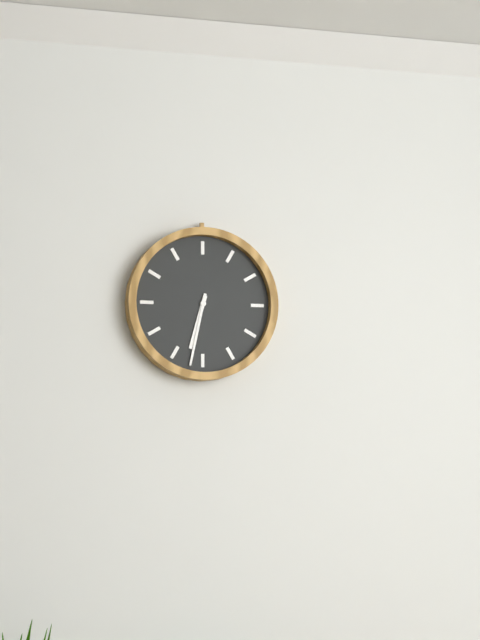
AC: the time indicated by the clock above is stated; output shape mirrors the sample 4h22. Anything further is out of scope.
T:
6h32
